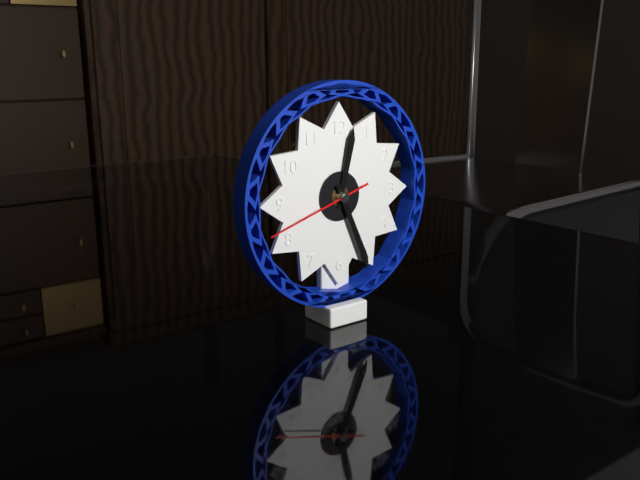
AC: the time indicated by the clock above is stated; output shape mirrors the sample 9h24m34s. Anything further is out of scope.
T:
12h26m42s
